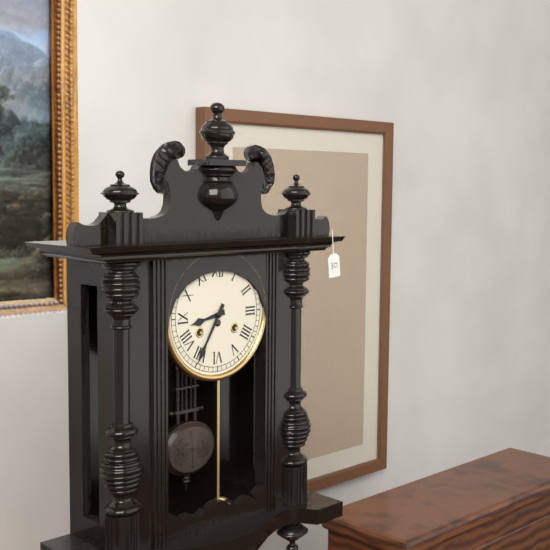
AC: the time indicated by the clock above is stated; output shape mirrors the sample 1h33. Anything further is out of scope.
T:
8h35
